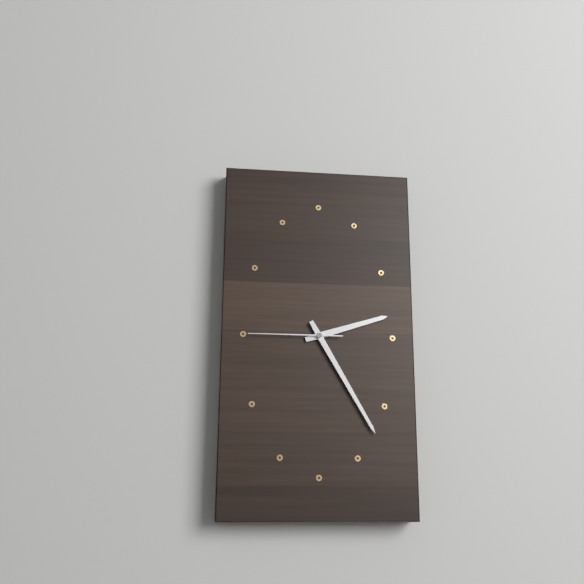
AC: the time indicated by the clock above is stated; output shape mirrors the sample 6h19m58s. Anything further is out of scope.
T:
2h25m45s
